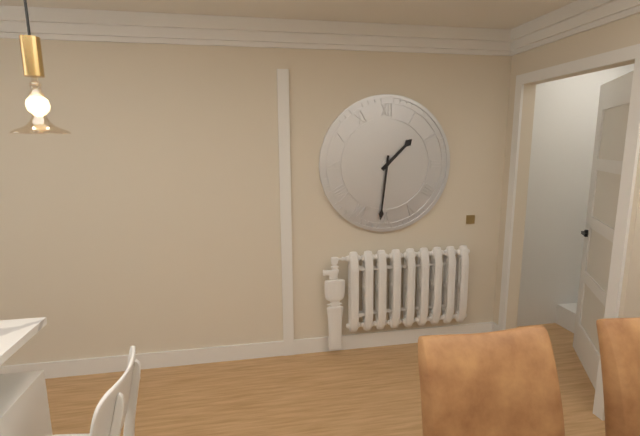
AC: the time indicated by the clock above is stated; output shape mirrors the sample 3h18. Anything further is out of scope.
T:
1h31
